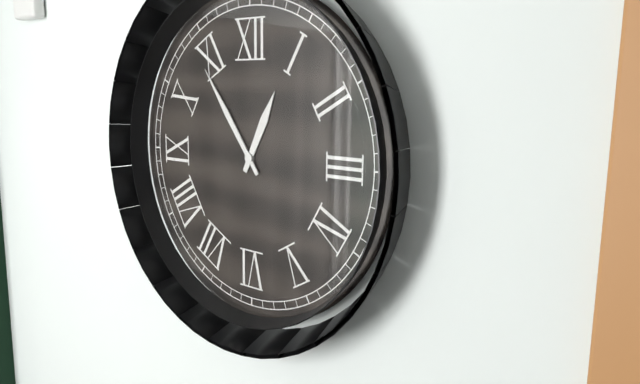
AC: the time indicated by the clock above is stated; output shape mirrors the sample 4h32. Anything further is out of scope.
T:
12h54
